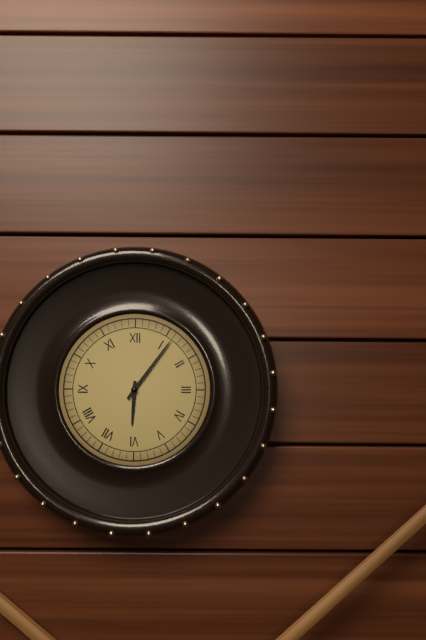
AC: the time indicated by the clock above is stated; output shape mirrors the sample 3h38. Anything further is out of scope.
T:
6h06
